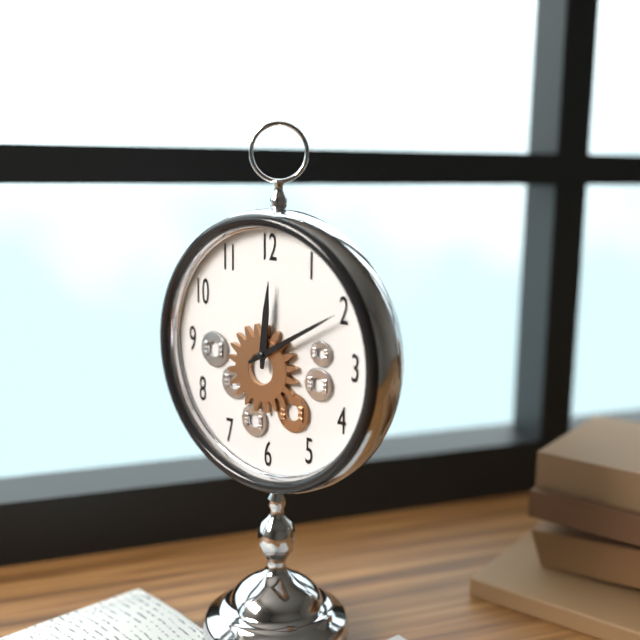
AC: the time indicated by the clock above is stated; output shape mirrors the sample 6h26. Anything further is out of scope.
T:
12h10
